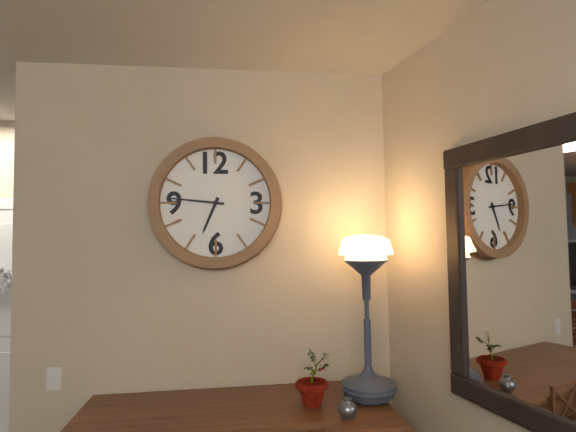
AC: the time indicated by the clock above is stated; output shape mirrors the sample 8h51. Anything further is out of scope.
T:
6h46
